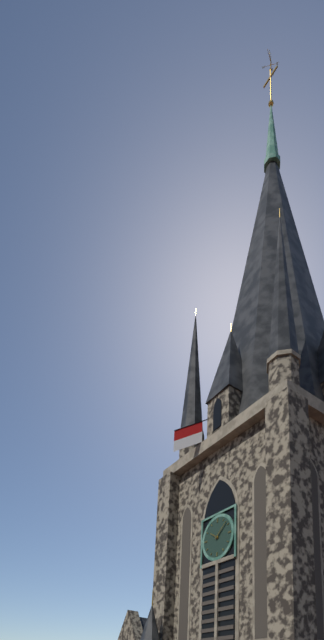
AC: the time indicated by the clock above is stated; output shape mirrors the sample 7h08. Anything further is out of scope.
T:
10h08
